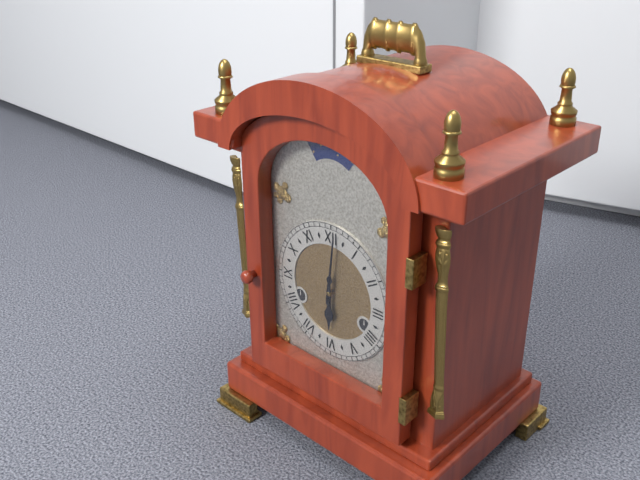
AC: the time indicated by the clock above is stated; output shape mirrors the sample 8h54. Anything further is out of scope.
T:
6h01
